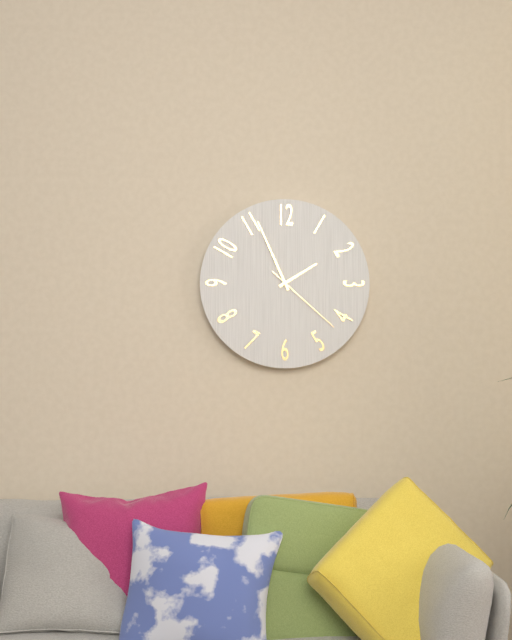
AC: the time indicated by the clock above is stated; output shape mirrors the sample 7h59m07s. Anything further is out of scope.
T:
1h56m22s
